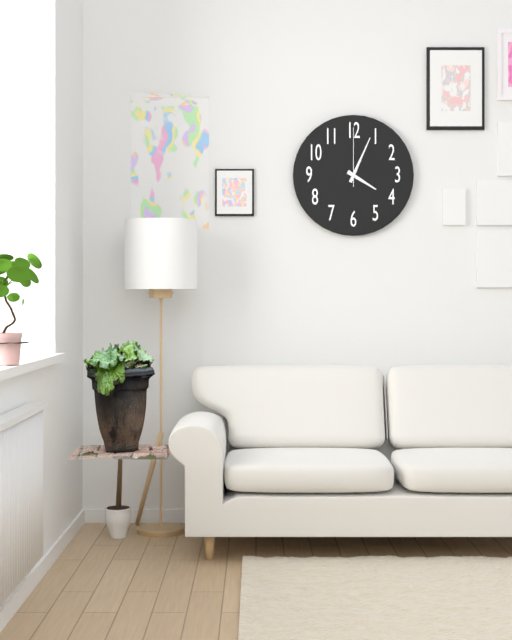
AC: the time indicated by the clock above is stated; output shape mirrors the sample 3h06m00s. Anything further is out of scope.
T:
4h04m00s
